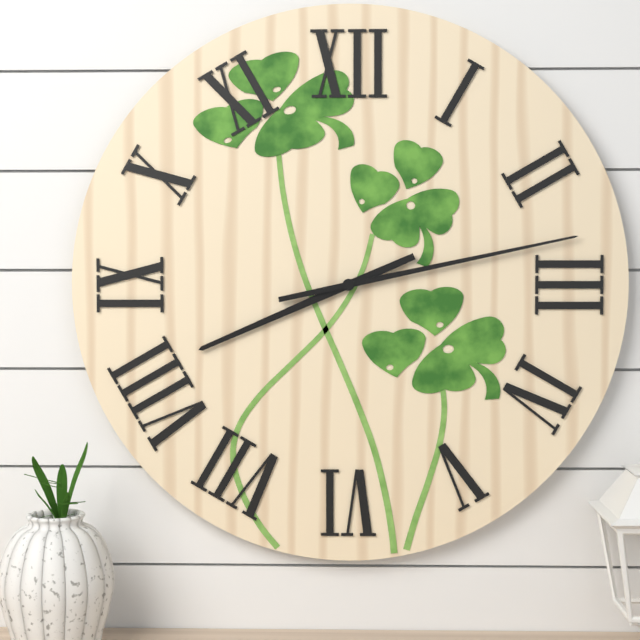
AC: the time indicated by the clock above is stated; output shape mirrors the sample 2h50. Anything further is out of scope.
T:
8h13
